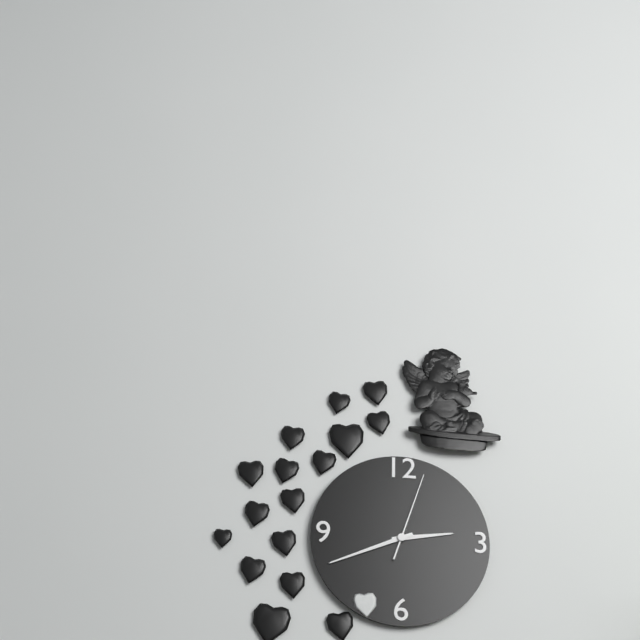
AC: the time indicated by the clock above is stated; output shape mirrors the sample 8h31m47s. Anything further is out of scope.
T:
2h41m03s
